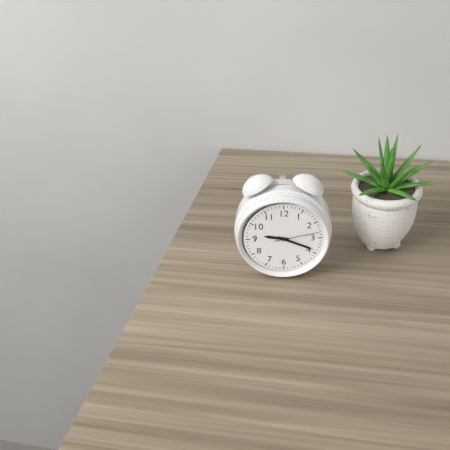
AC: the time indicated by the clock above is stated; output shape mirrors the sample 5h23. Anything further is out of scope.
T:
9h19
